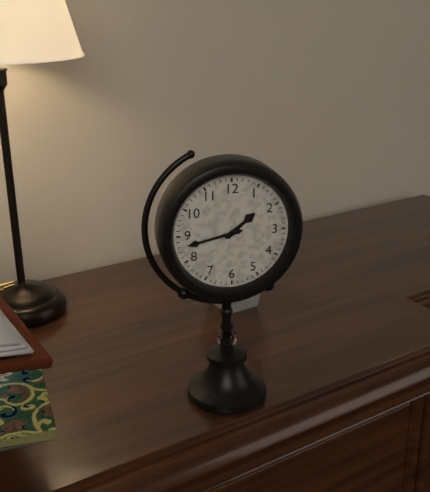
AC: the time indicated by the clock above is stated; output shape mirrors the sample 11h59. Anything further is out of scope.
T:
1h43
